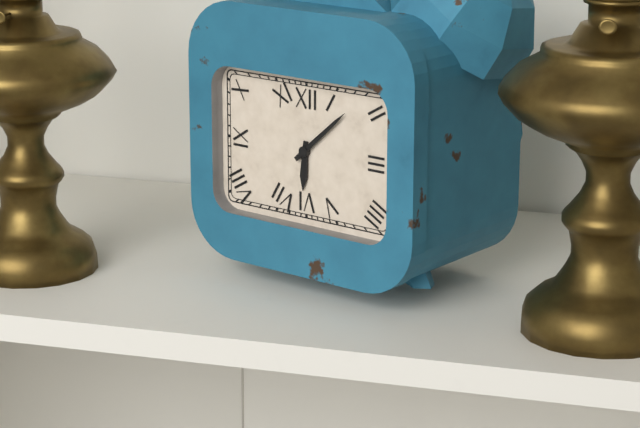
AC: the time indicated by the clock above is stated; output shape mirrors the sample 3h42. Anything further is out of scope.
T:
6h08
